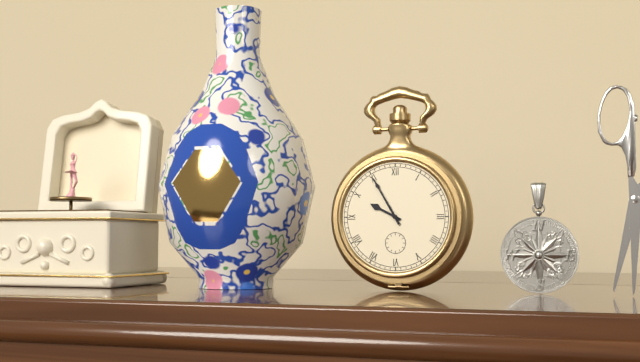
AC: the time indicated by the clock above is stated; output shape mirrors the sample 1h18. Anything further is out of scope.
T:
9h55
